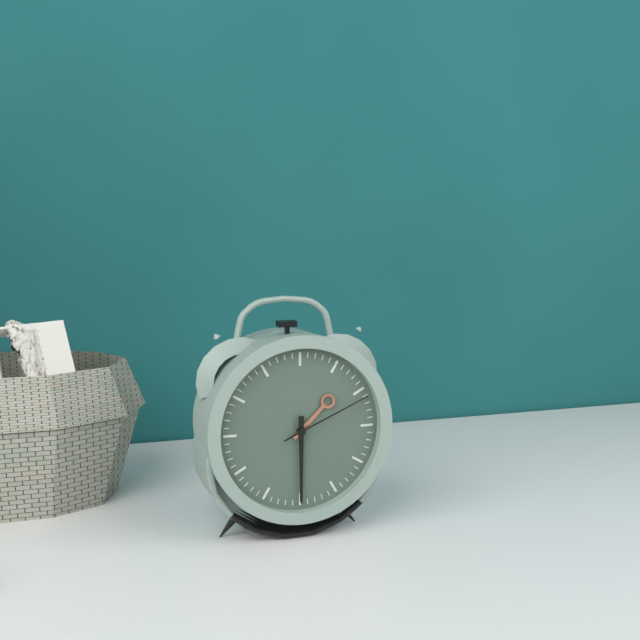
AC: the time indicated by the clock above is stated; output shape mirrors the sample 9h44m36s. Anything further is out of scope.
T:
1h30m11s
